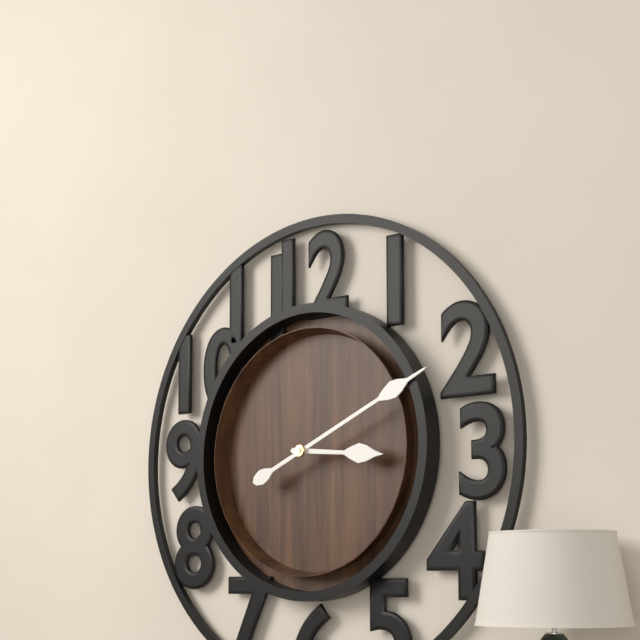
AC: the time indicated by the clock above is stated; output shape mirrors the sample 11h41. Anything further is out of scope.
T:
3h11
